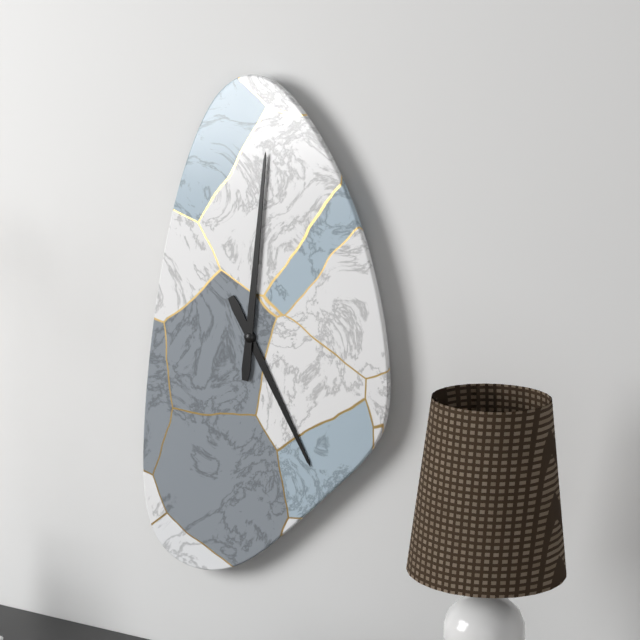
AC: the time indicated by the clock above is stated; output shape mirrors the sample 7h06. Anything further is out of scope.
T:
5h01
